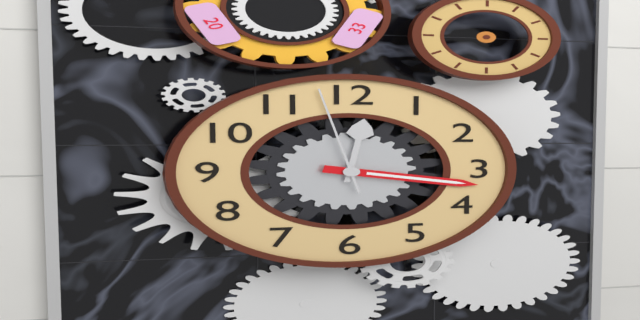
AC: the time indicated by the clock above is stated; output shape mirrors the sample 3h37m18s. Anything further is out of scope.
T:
12h17m58s
